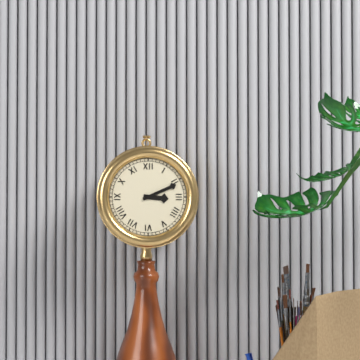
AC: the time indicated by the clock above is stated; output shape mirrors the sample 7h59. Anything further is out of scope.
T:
3h11
